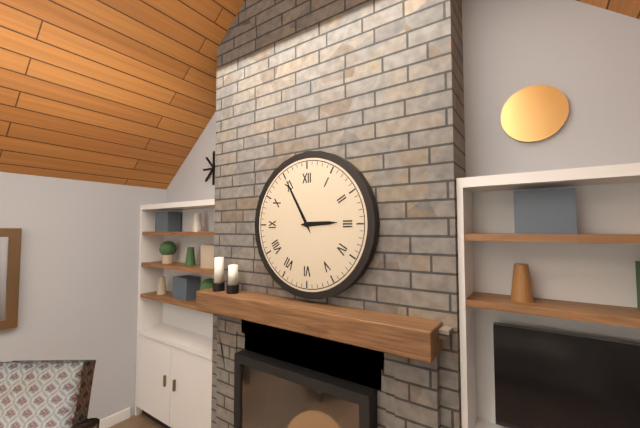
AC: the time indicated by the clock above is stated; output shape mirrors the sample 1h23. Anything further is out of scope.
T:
2h55
